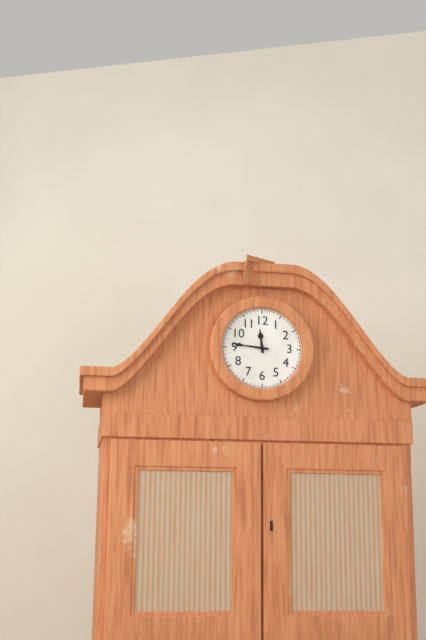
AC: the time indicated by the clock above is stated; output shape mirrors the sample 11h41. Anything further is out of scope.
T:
11h46
